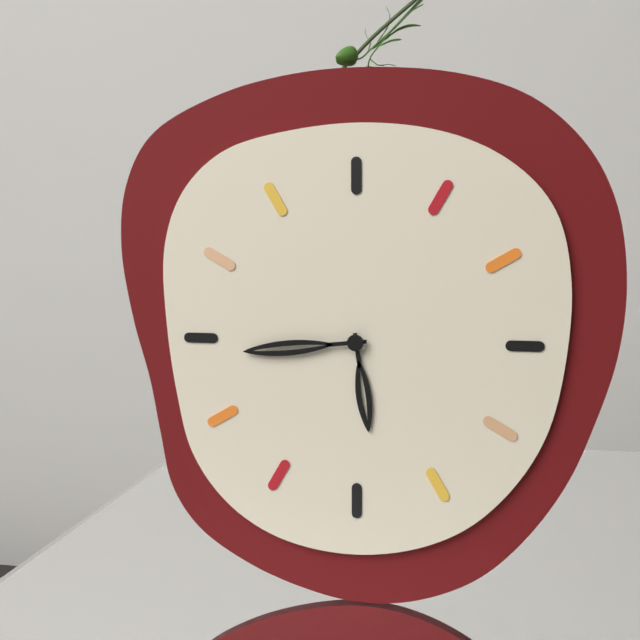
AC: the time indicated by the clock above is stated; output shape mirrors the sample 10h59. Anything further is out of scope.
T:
5h44
